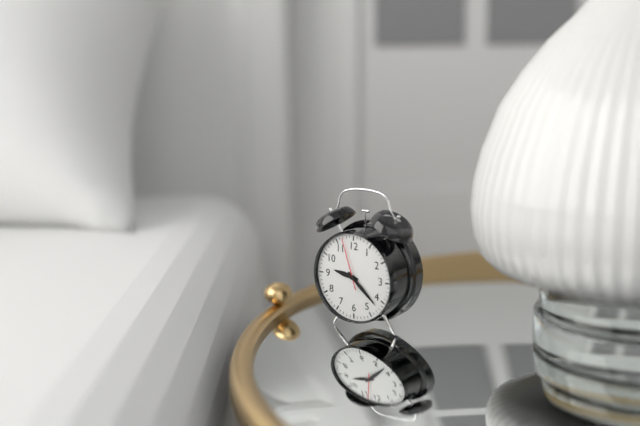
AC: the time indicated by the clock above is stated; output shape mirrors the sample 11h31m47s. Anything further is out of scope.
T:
9h22m57s
